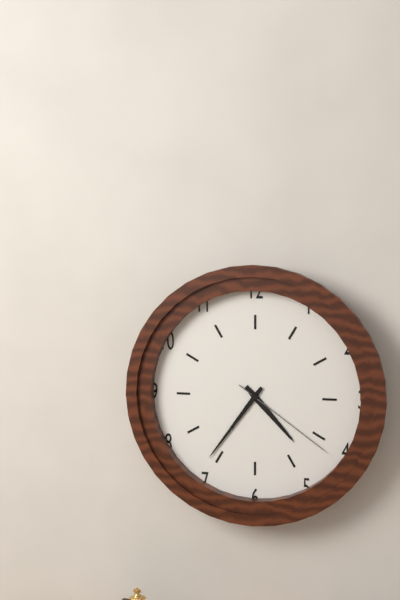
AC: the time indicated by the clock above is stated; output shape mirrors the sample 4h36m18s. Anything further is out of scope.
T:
4h36m21s
